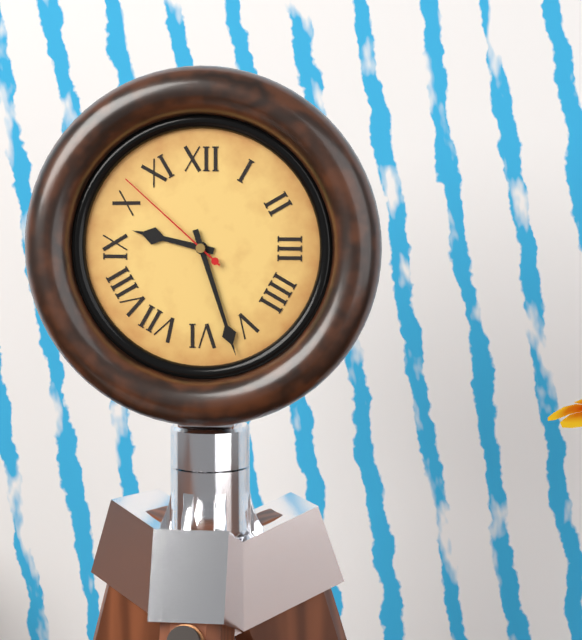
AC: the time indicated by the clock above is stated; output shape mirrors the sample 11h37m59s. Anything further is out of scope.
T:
9h27m52s
